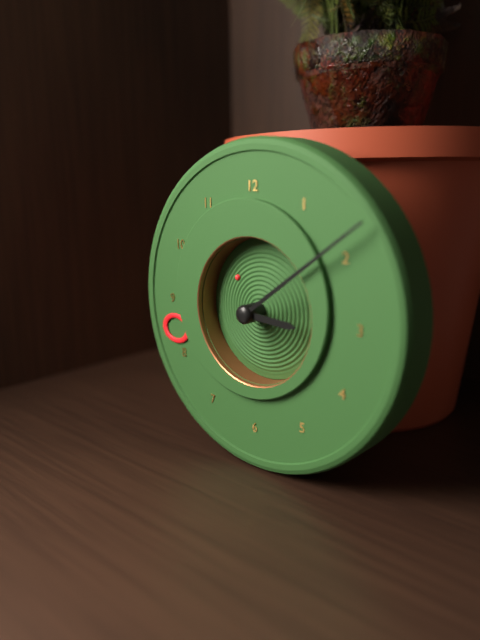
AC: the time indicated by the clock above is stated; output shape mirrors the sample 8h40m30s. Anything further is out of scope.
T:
3h09m52s
